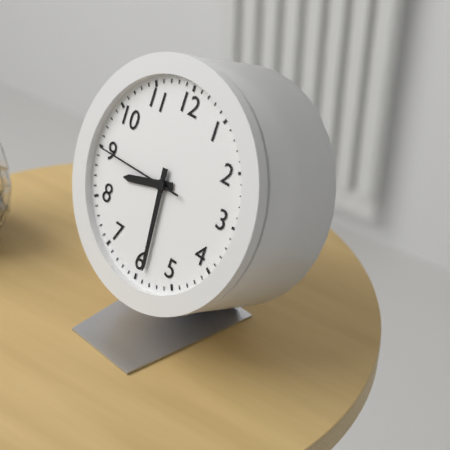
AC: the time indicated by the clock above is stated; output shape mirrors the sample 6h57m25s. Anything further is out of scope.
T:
8h29m45s
